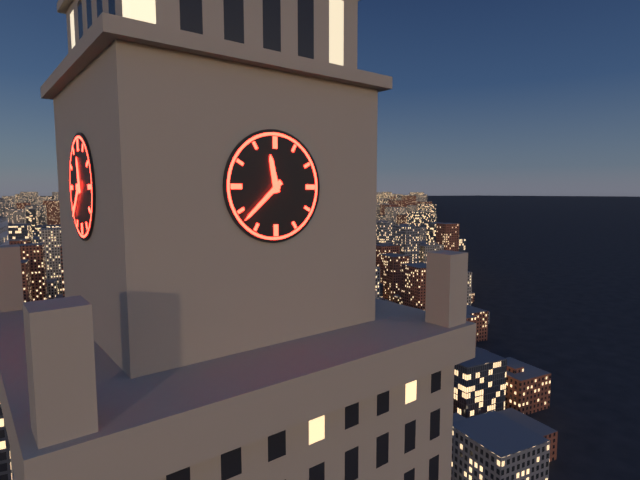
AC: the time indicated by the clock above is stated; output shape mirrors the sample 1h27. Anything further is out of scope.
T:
11h38
